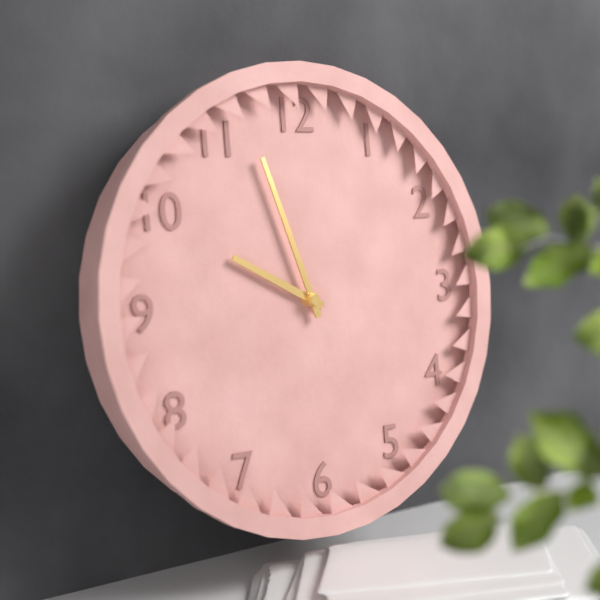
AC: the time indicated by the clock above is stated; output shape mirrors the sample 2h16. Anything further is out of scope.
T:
9h57
